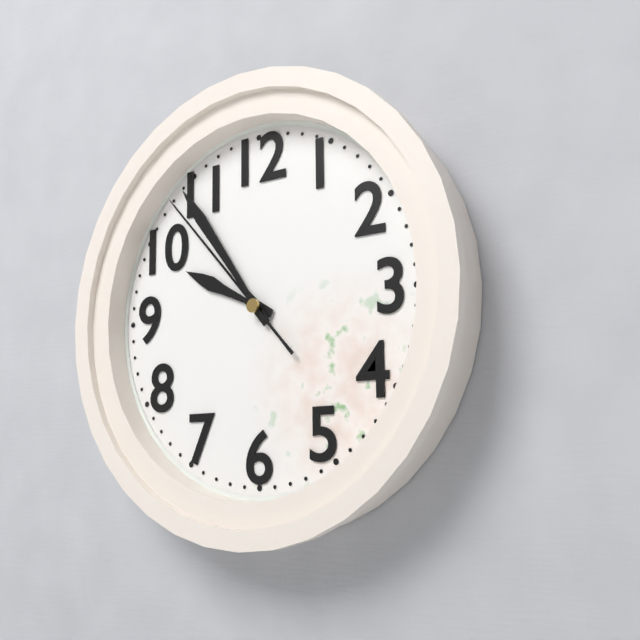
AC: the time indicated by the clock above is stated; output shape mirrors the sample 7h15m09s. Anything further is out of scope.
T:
9h54m53s
